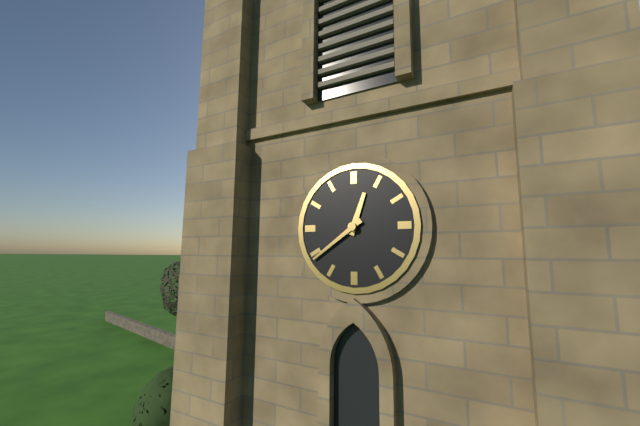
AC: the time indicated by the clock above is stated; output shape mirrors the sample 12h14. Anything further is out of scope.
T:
12h39
